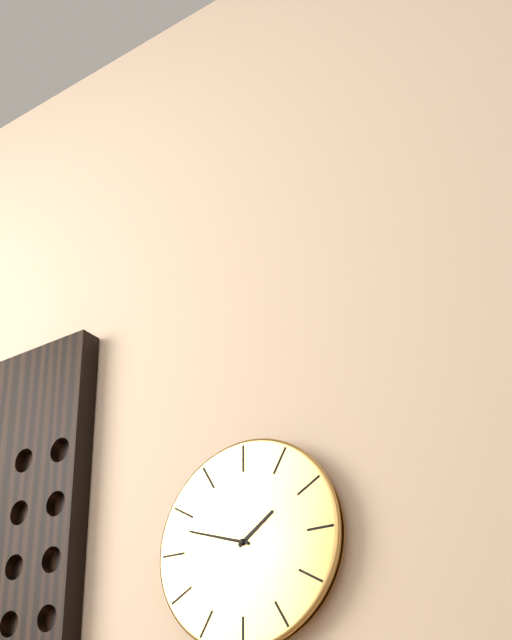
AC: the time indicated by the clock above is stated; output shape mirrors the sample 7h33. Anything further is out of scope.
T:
1h48
